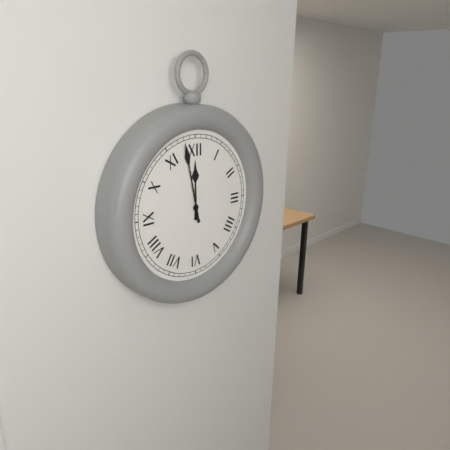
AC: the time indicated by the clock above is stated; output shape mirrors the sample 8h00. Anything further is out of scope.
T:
11h58
